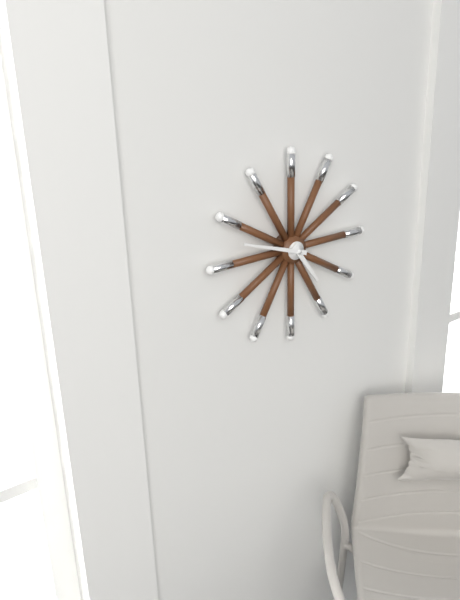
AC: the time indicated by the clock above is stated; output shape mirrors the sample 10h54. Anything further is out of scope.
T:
4h48
